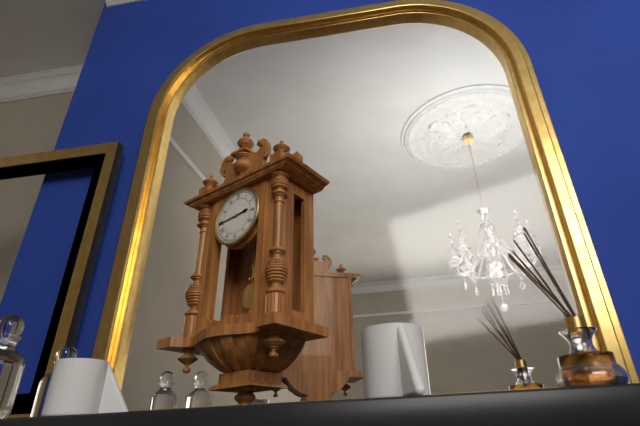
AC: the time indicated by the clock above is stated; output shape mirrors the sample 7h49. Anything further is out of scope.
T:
2h44
